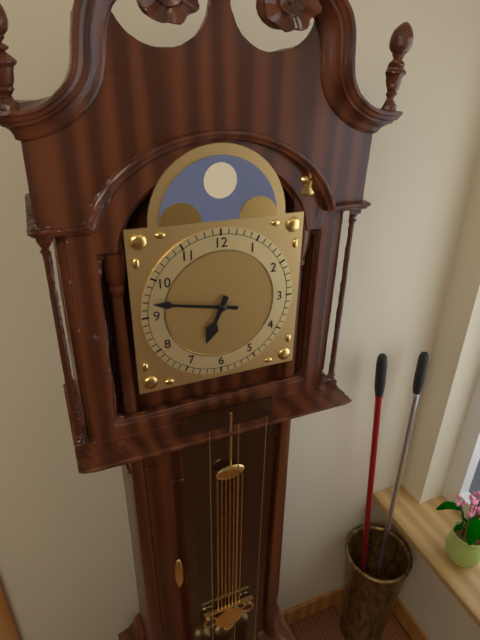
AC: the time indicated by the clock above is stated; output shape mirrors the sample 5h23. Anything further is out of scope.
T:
6h47
